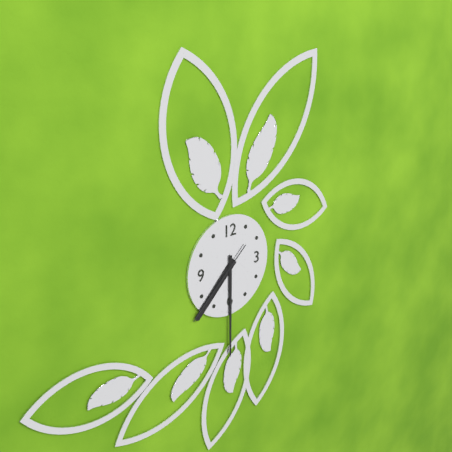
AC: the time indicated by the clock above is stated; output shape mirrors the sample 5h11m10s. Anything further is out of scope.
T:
7h30m38s
